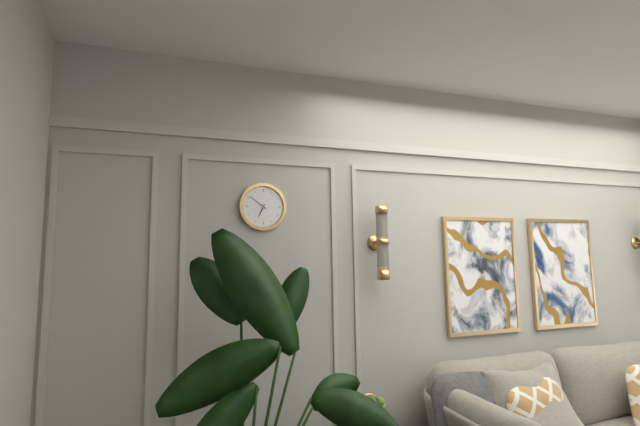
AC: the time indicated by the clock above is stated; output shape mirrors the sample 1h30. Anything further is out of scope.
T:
6h51
